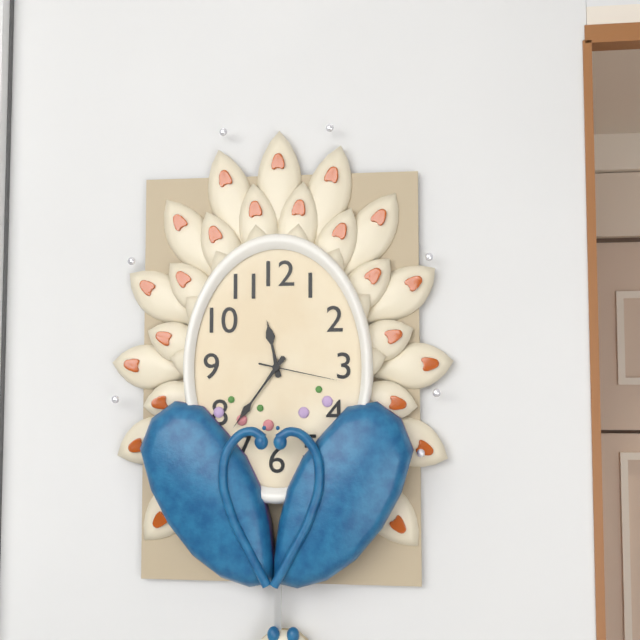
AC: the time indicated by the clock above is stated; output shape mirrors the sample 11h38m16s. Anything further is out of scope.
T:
11h36m17s
